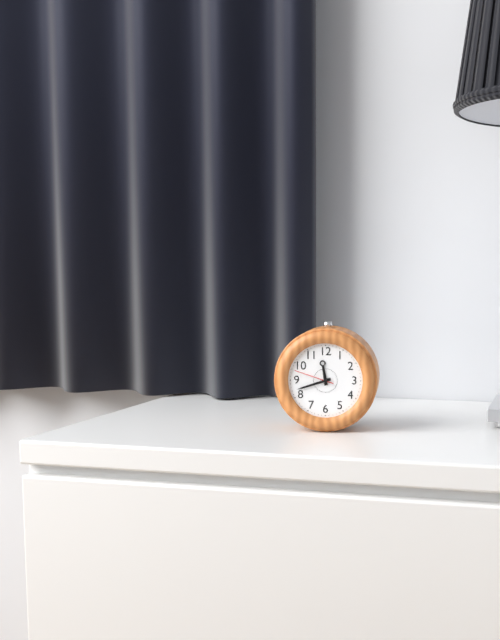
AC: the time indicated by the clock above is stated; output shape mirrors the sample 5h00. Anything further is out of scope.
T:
11h42
